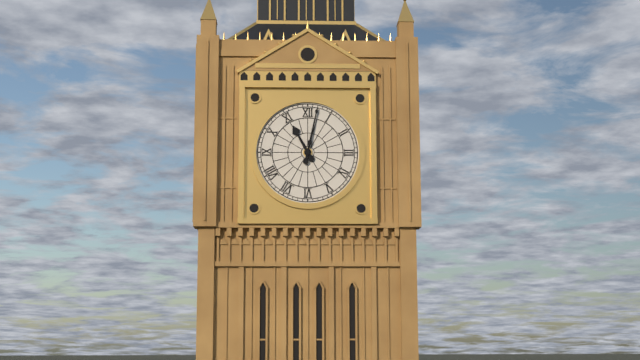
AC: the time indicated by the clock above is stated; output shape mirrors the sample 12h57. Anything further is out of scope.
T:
11h02
